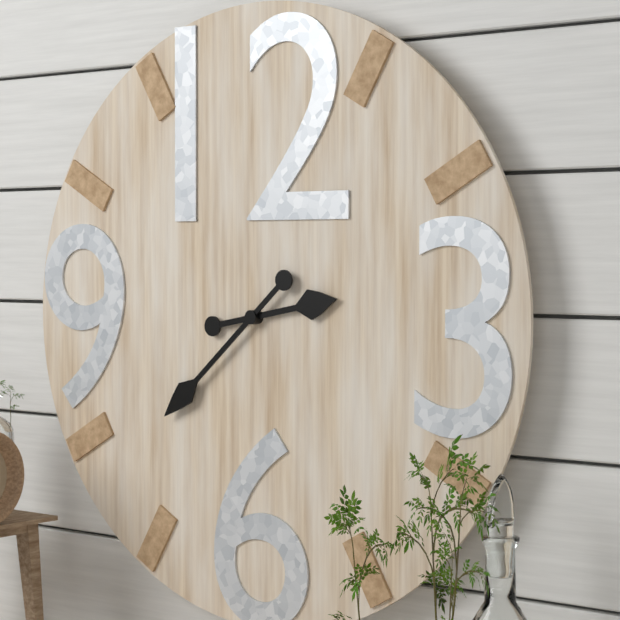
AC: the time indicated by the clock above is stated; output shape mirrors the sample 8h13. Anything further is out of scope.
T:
2h38
